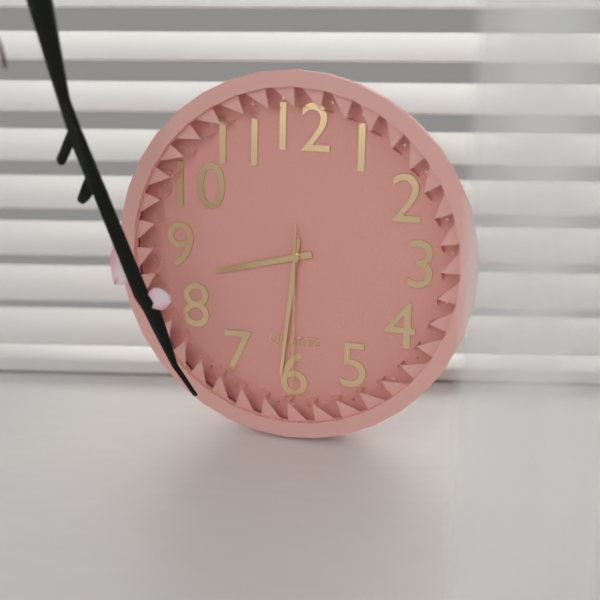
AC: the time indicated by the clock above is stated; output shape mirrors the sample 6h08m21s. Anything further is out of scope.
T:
8h31m30s
